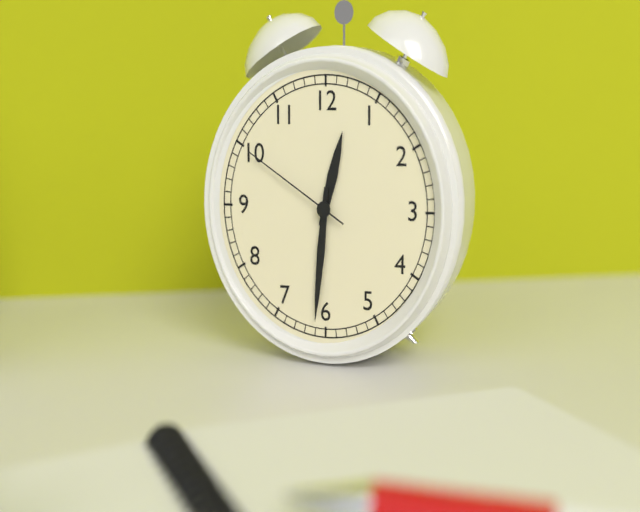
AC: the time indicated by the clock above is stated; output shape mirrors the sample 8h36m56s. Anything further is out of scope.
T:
12h31m50s
